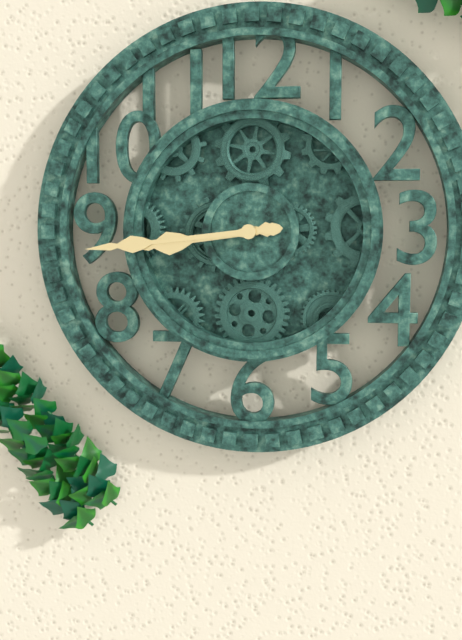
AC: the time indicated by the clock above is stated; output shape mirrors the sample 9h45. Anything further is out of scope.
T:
8h44
